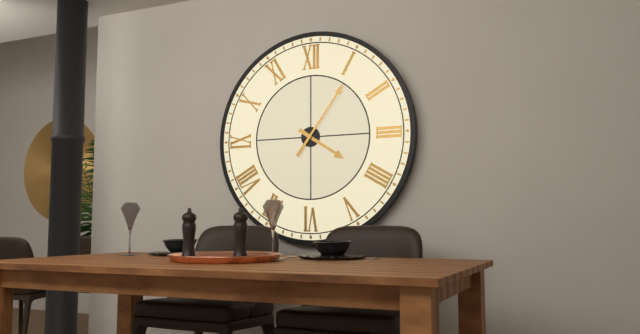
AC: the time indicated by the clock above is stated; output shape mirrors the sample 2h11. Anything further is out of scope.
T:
4h06
